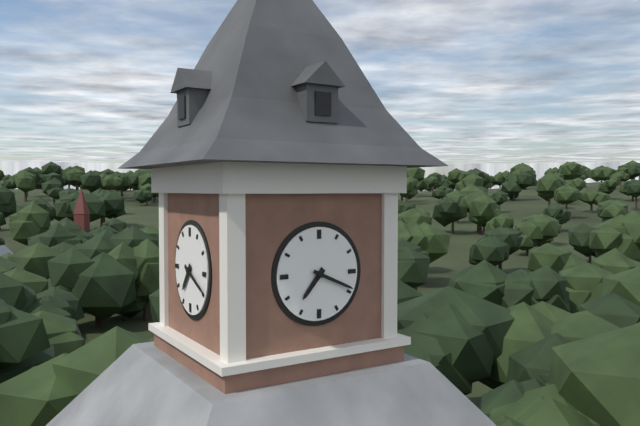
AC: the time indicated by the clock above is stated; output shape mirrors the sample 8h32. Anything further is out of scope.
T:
7h19
